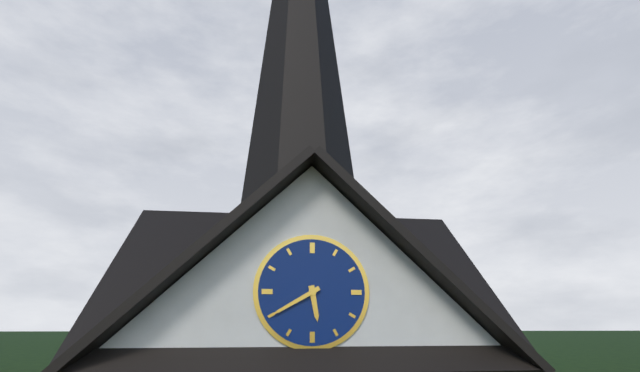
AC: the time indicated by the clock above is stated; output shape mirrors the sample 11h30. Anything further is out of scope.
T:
5h40
